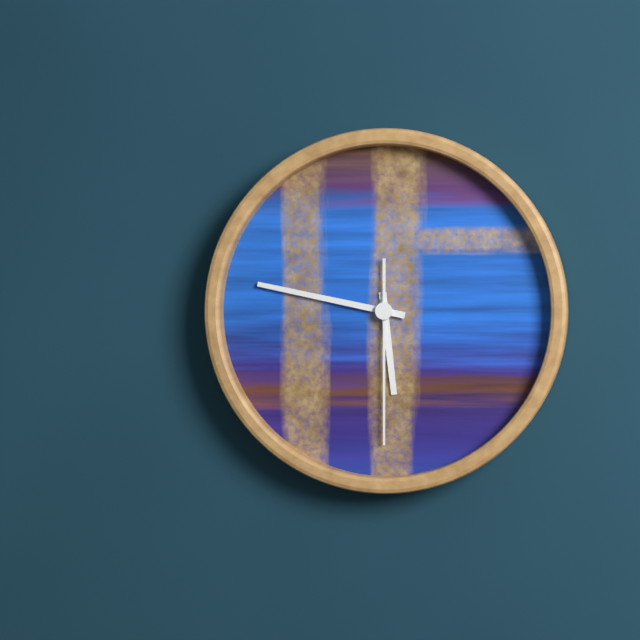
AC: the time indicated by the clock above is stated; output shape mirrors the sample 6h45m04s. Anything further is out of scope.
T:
5h47m30s
